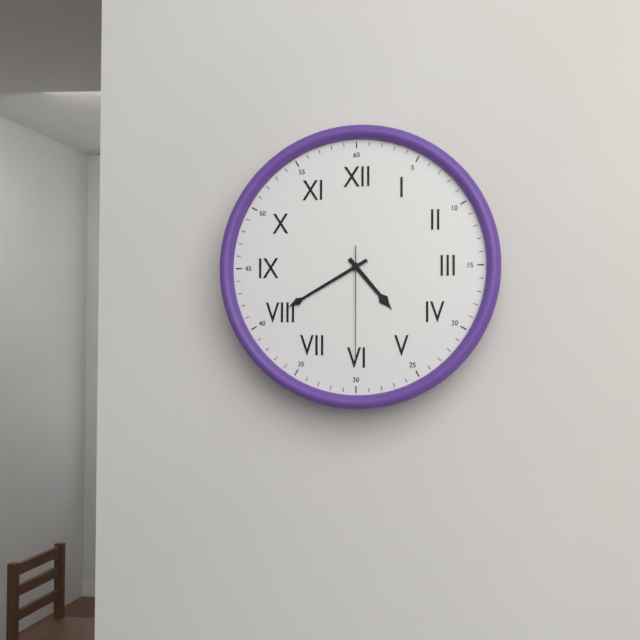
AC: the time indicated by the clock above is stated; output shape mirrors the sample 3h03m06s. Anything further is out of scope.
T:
4h40m30s
